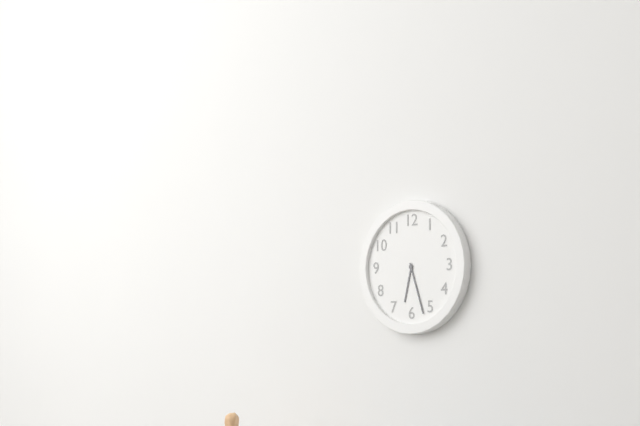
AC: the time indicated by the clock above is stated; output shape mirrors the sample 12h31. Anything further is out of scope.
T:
6h27
